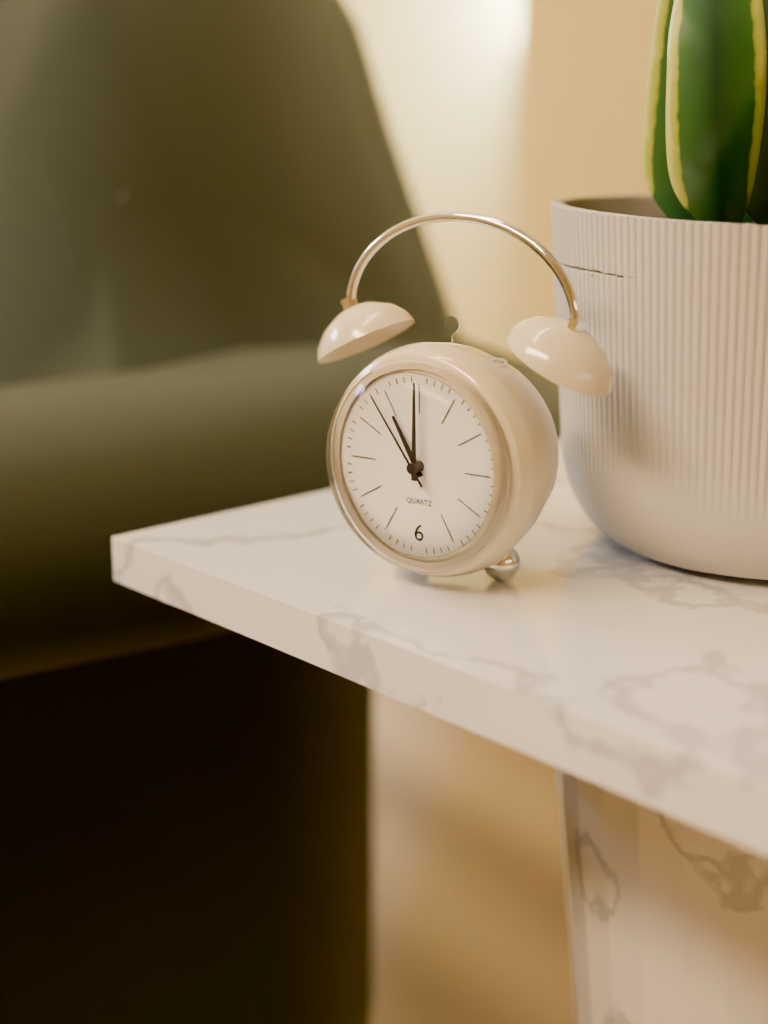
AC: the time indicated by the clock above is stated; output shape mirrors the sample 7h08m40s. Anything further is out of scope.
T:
11h00m54s
